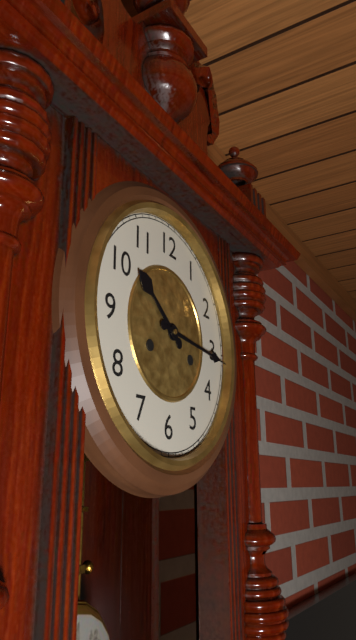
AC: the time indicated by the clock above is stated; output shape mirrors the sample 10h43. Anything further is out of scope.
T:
10h16
